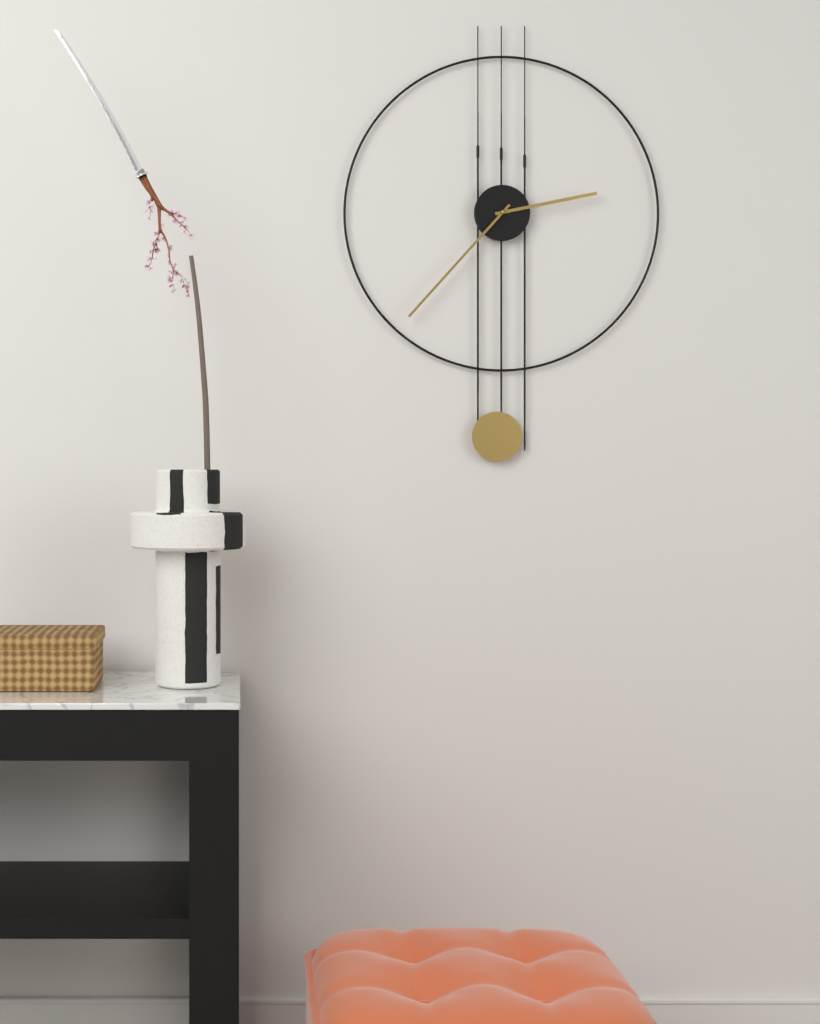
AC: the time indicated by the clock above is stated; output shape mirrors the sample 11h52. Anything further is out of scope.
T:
2h37
